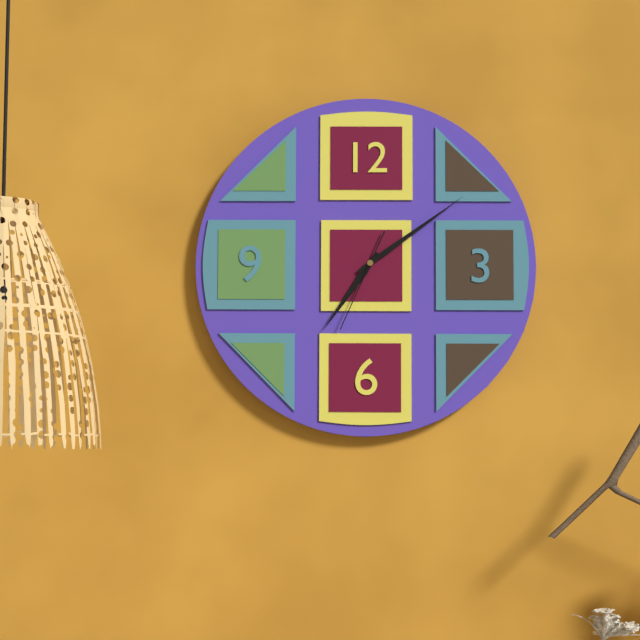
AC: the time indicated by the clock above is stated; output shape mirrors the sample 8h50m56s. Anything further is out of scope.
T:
7h09m34s
